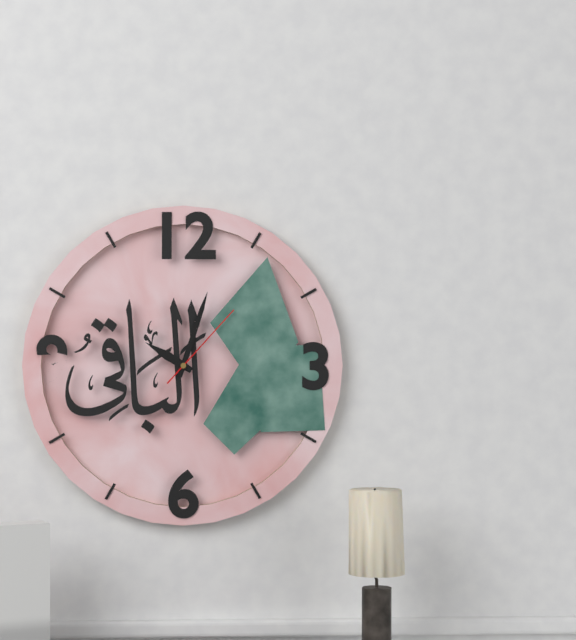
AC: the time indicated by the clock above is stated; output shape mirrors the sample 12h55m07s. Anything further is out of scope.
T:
10h03m07s
